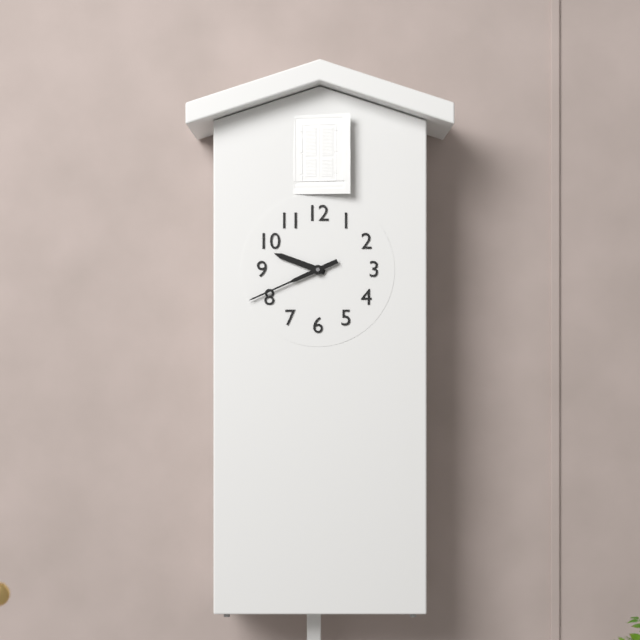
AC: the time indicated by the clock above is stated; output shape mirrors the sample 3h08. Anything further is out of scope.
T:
9h41
